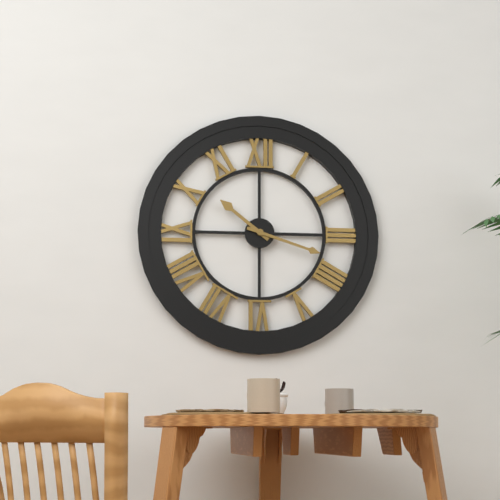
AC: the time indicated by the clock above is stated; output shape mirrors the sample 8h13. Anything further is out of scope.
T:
10h18
